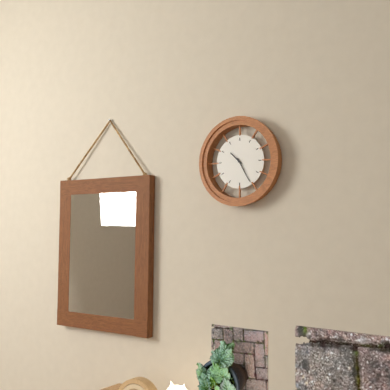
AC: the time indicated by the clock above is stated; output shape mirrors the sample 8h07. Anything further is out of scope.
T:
10h25
